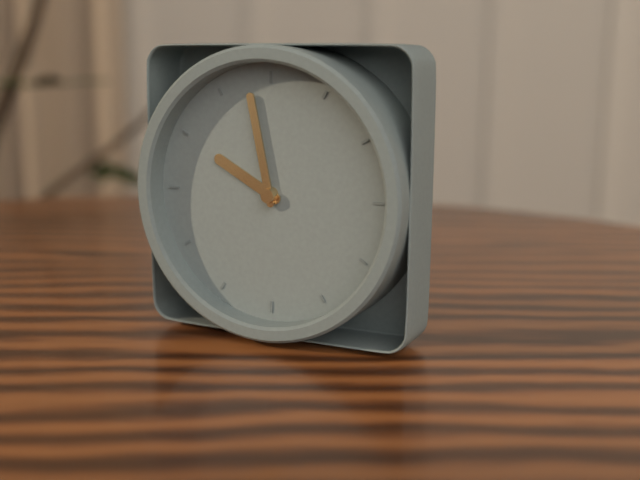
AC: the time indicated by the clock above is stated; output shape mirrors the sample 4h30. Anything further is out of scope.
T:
9h58
